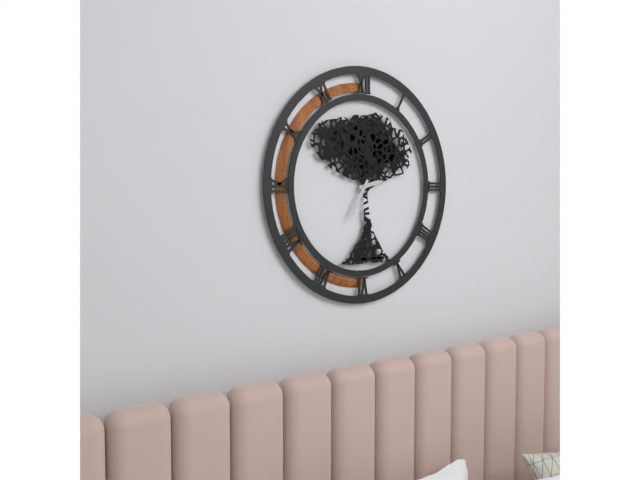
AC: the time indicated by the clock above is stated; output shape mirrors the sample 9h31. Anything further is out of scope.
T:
2h35
